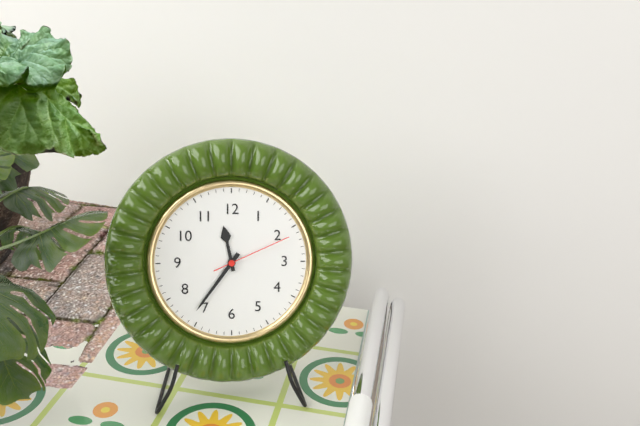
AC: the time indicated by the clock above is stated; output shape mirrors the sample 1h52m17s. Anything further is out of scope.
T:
11h36m11s
